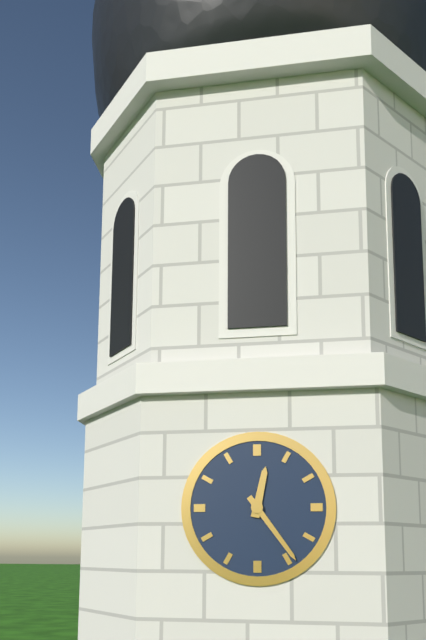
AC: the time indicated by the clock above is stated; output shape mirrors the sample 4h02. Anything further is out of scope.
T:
12h24
